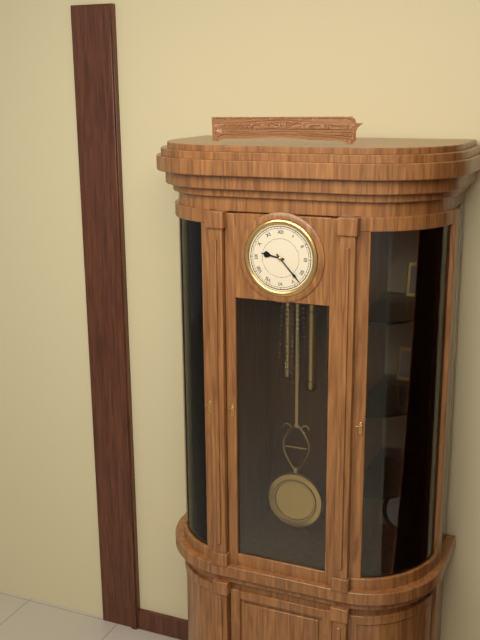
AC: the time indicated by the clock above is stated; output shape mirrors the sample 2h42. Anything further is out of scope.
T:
9h23
